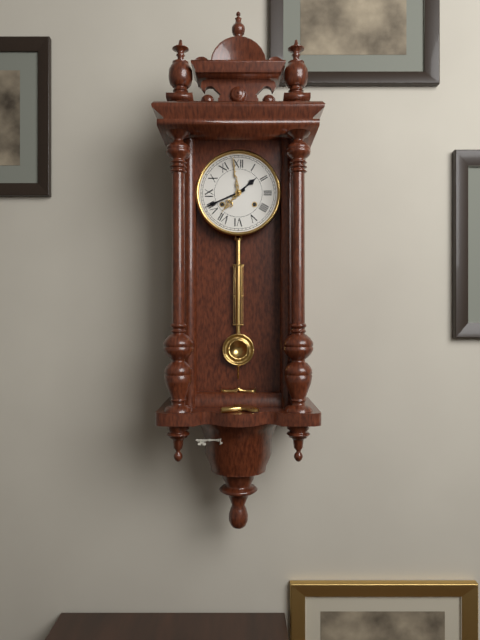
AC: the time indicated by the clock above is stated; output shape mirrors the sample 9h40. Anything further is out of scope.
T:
1h41
